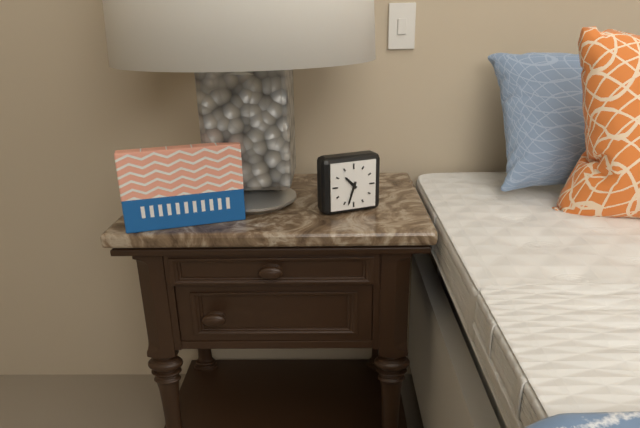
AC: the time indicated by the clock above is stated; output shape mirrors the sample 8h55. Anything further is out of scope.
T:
10h33
